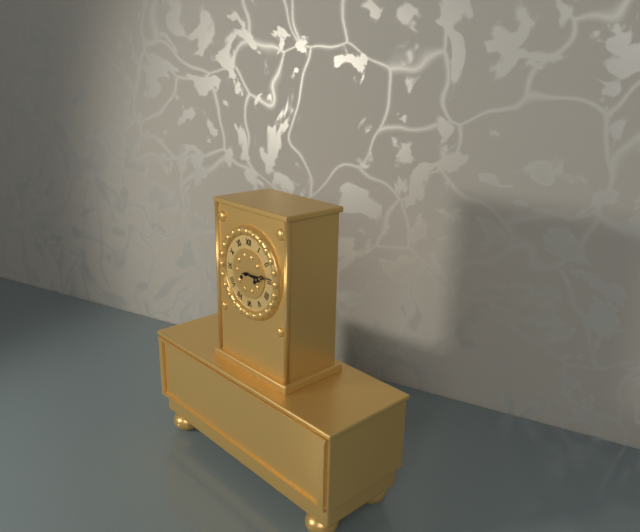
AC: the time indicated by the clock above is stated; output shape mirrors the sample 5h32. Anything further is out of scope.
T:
3h14
